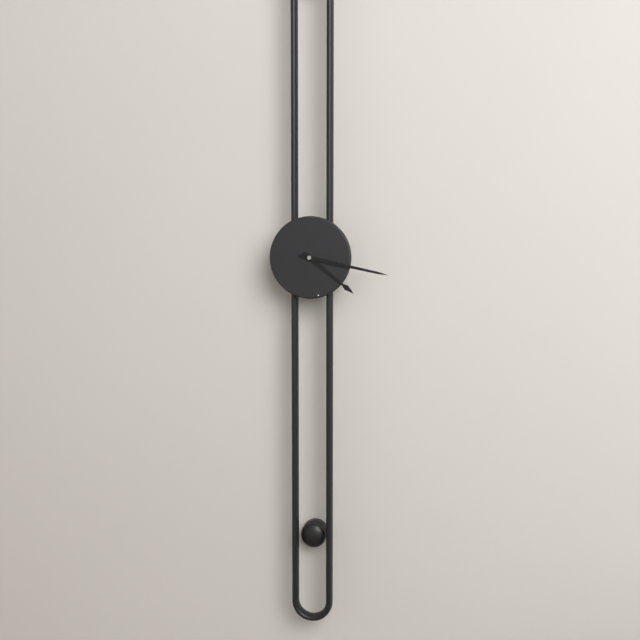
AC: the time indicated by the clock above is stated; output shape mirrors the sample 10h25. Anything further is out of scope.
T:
4h17
